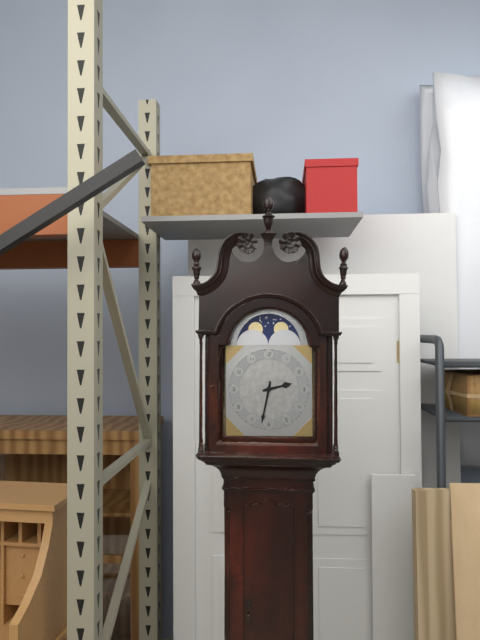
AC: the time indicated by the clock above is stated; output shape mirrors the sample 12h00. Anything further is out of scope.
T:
2h32
